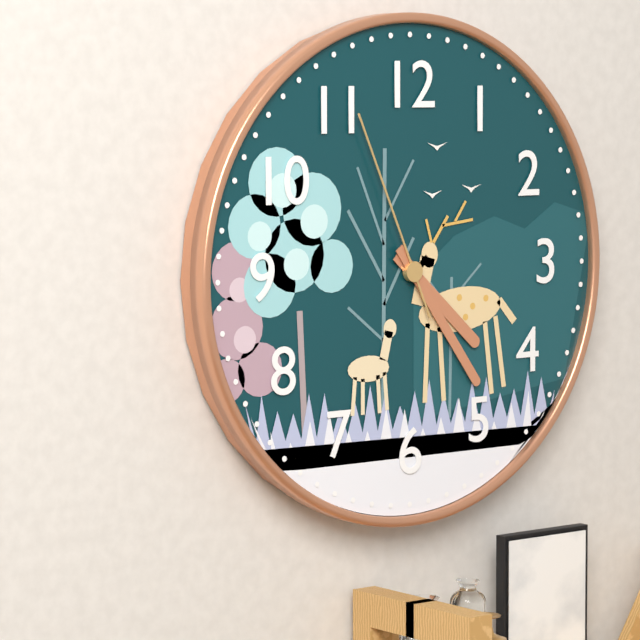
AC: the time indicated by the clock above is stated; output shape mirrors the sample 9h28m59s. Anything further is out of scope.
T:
4h24m56s
